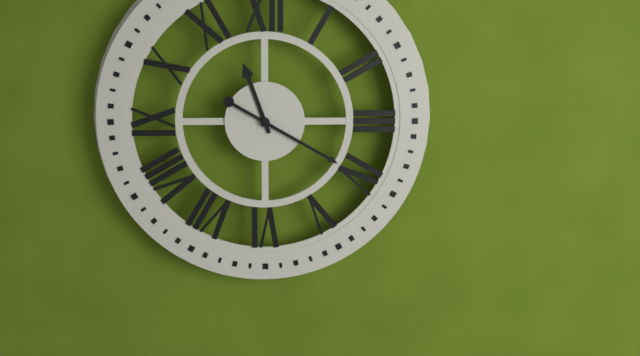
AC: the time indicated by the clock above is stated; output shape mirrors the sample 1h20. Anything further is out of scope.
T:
11h20
